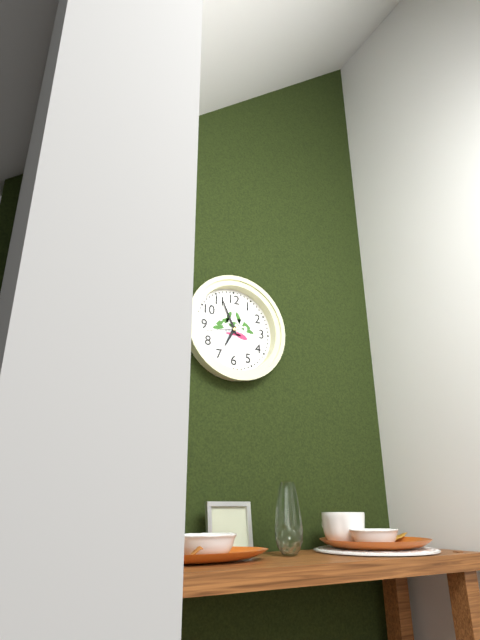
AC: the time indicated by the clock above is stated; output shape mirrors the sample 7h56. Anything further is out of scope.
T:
6h56
